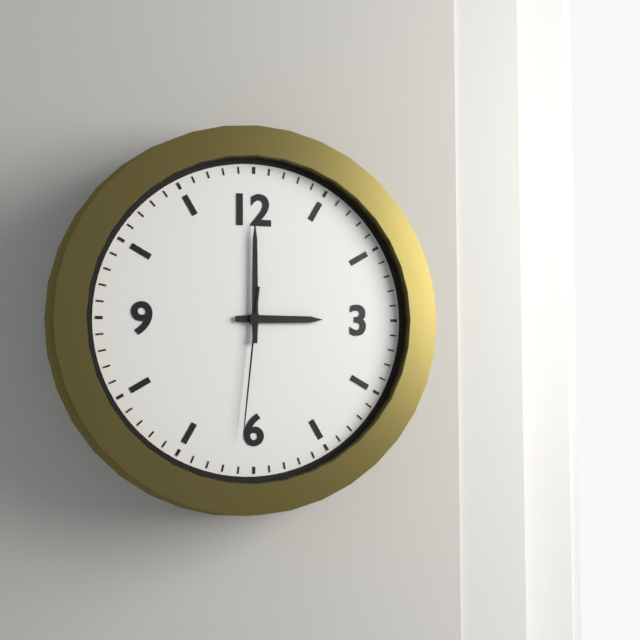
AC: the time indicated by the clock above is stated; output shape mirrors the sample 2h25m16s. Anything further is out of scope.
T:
3h00m31s
